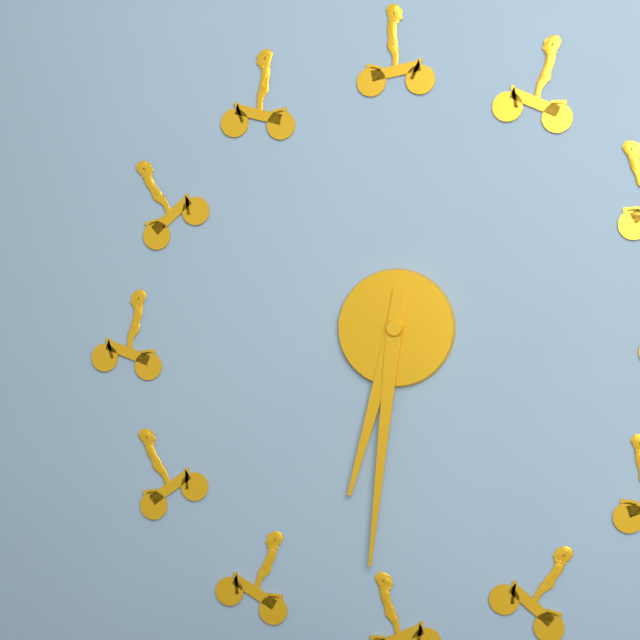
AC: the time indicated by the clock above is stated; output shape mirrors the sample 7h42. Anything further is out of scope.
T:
6h31
